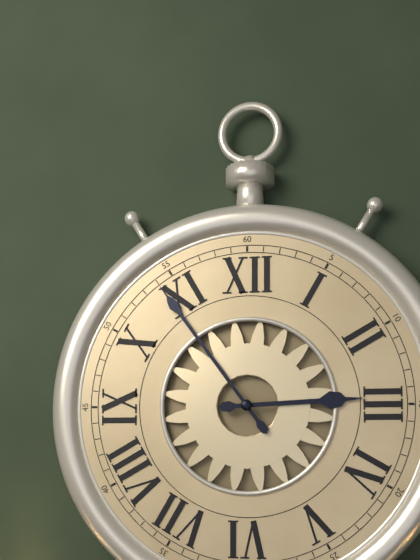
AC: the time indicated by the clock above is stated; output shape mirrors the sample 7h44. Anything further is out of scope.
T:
2h54
